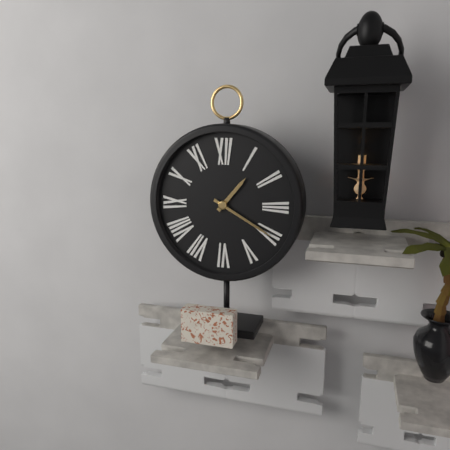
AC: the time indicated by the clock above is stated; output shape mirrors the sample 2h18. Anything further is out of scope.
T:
1h20
